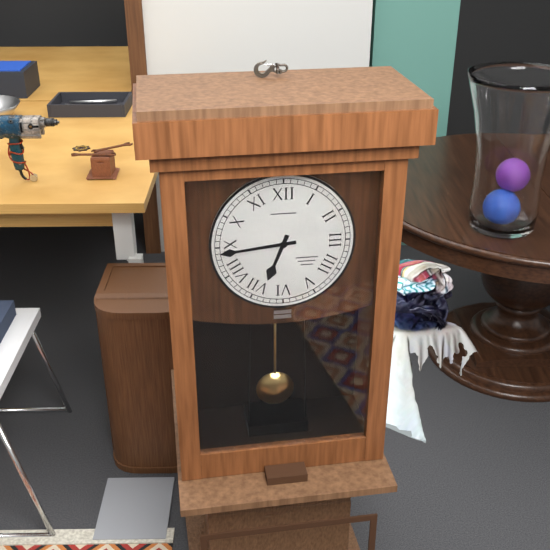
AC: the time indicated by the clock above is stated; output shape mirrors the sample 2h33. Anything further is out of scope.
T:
6h44
